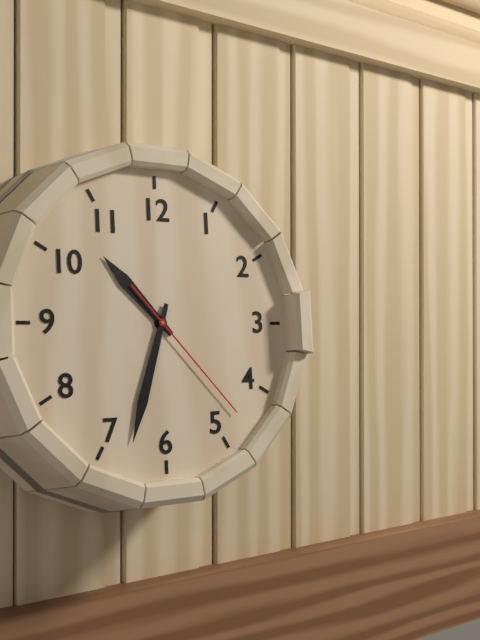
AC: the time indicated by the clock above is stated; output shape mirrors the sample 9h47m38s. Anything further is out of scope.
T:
10h33m23s
